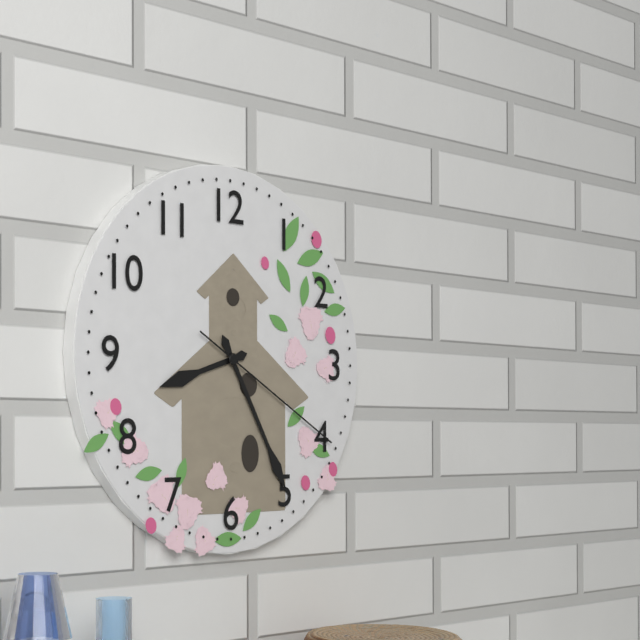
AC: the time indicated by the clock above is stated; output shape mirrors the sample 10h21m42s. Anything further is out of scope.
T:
8h25m20s
